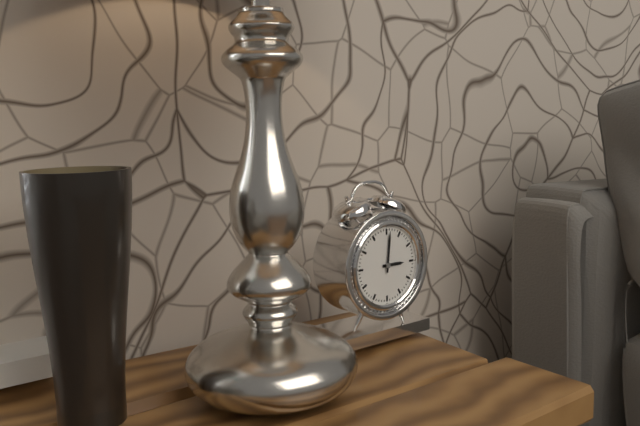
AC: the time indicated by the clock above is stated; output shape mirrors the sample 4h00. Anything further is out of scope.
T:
3h01
